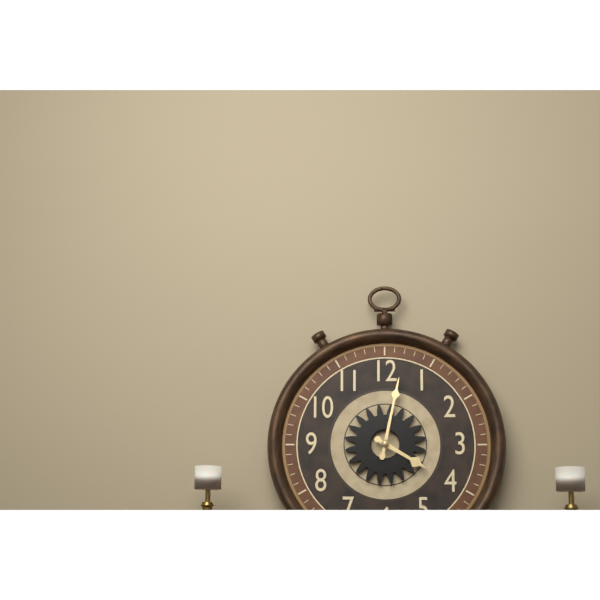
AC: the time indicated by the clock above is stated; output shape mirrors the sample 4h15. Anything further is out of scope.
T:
4h02
